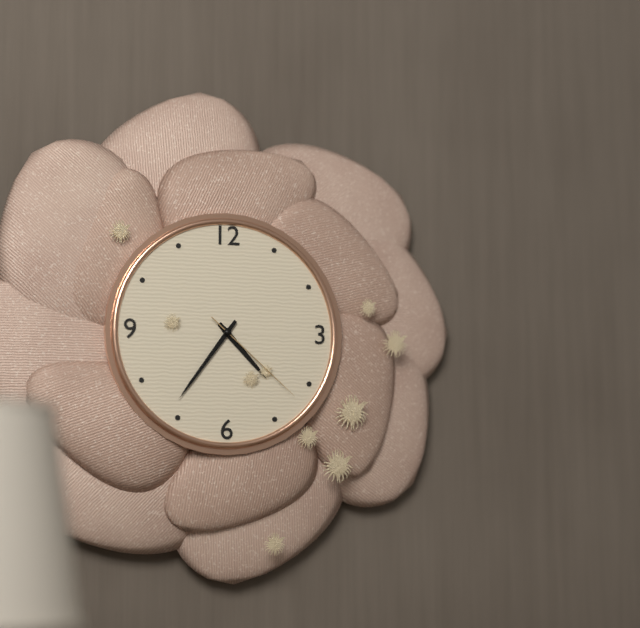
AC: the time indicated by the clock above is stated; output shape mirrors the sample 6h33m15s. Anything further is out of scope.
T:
4h36m22s
